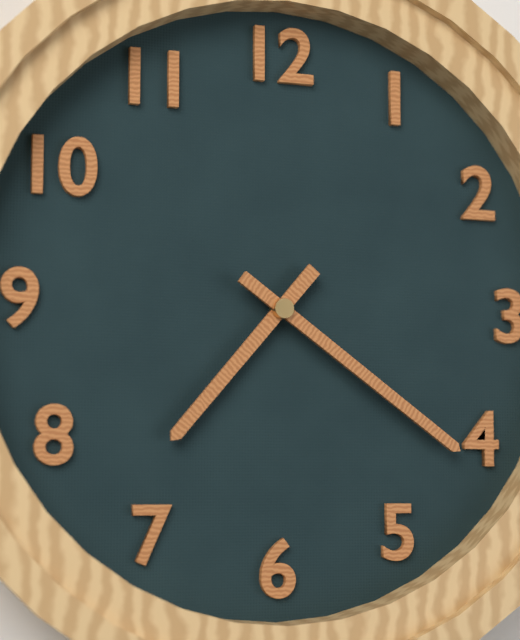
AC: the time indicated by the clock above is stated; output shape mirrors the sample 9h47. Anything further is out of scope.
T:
7h21
